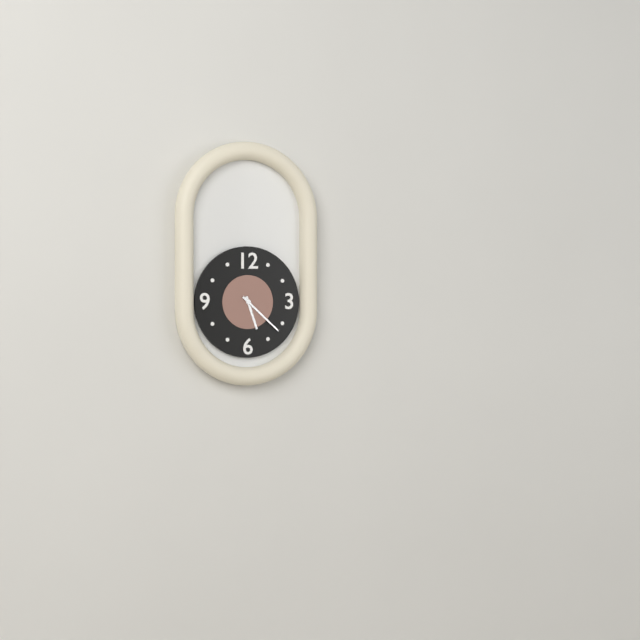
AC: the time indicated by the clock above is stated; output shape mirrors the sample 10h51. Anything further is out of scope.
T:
5h22
